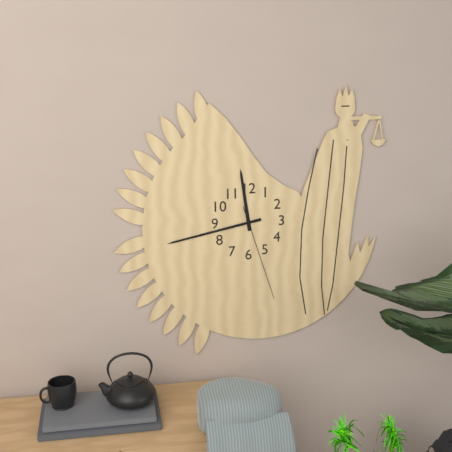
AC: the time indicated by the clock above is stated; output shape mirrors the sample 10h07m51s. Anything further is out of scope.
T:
11h43m27s
